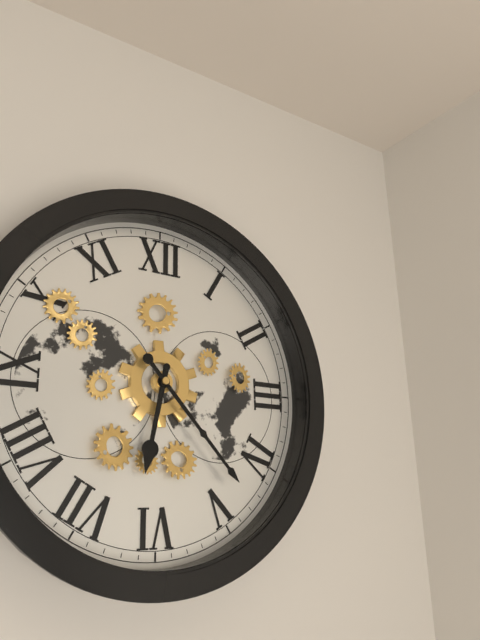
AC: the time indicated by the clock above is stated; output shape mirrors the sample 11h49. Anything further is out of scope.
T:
6h23
